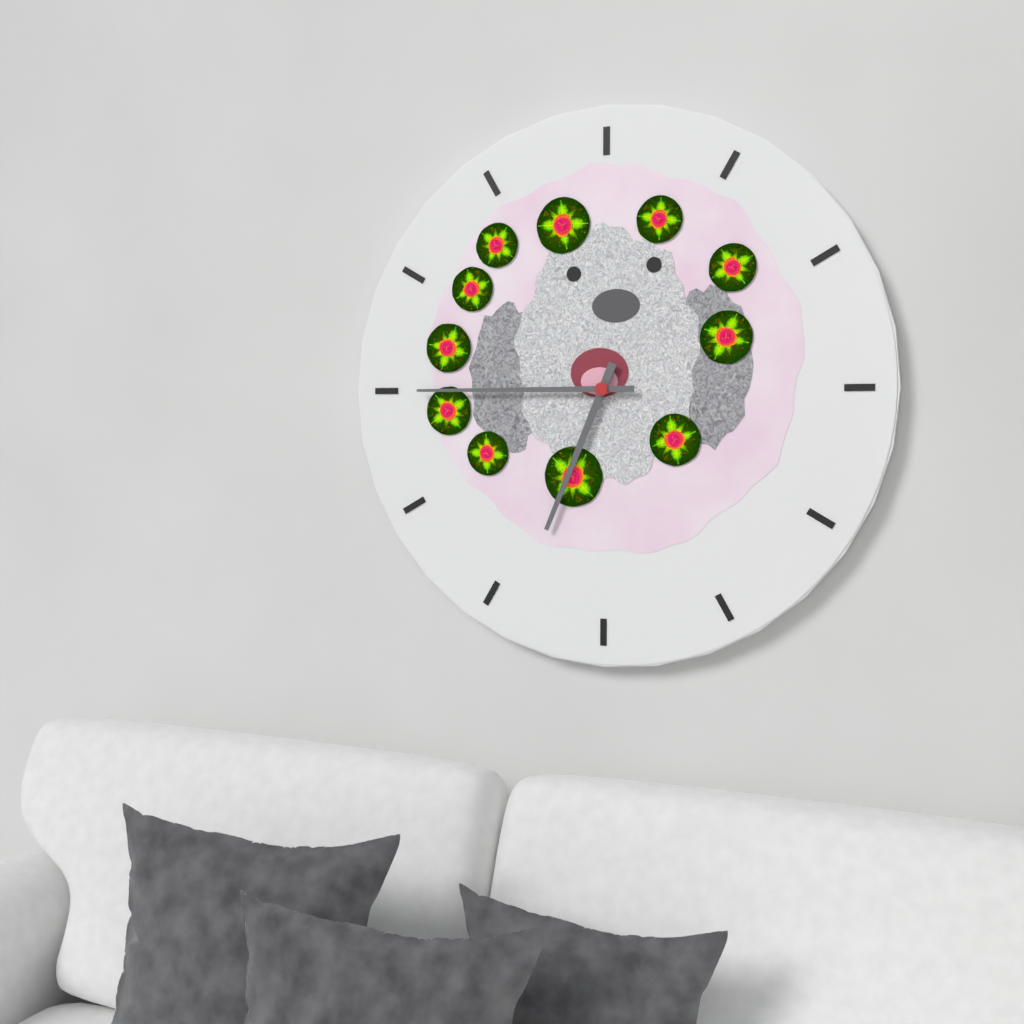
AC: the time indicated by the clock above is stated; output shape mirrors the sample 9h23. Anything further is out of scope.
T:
6h45
